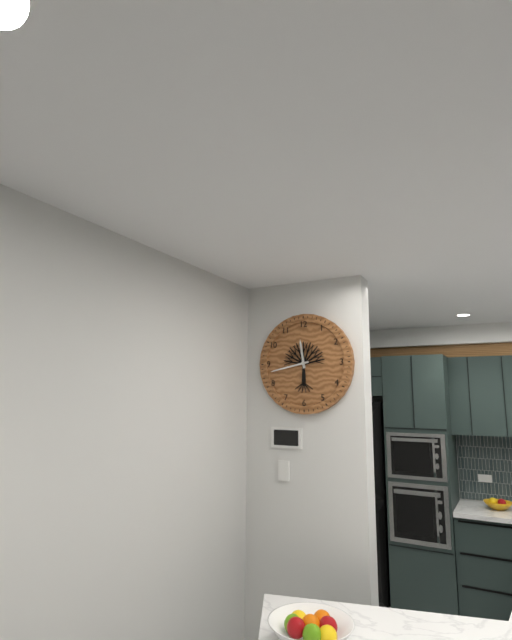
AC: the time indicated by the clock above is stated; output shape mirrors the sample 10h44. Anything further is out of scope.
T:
11h43
